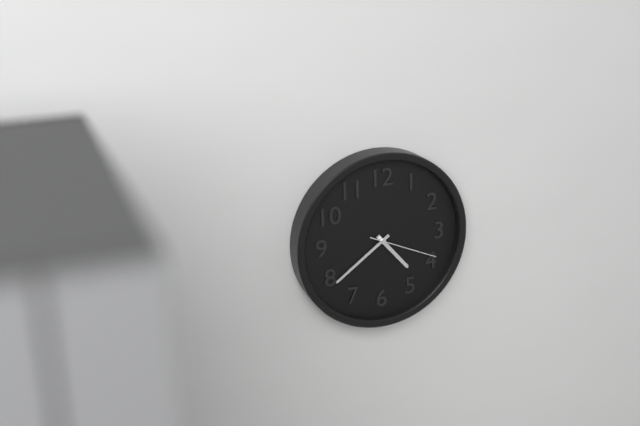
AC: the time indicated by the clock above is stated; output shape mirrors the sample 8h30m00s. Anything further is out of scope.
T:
4h39m19s
